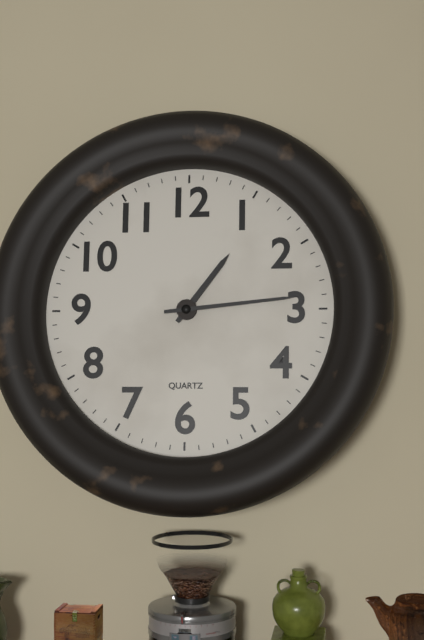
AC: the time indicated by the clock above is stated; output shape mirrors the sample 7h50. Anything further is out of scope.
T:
1h14
